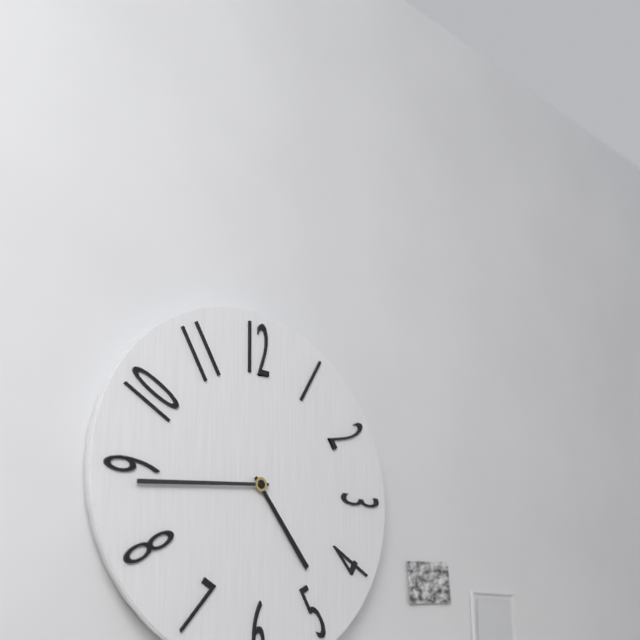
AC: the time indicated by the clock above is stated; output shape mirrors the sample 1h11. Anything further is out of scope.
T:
4h44
